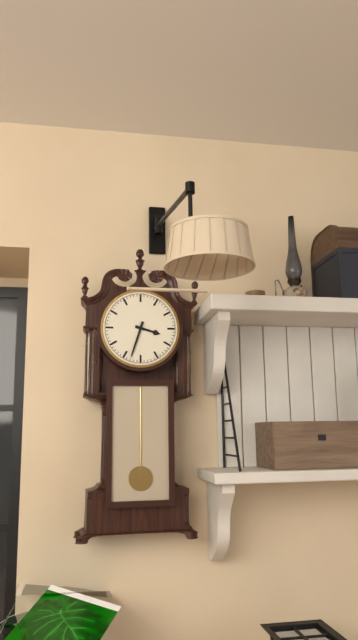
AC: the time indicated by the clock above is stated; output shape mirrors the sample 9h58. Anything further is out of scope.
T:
3h33
